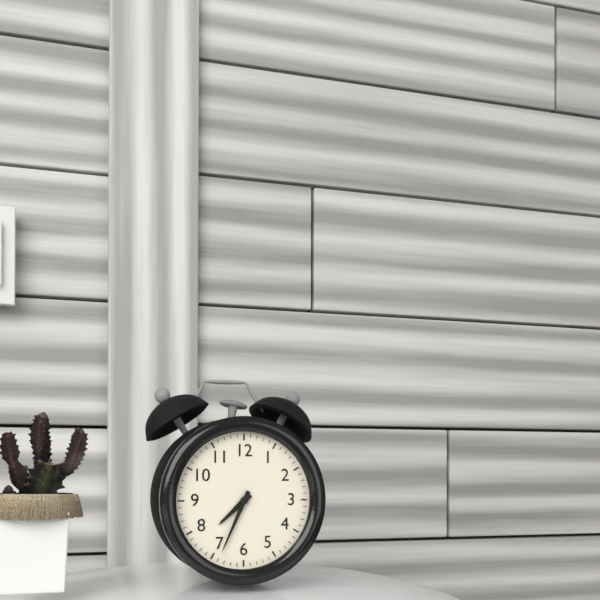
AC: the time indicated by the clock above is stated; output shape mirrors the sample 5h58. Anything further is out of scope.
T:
7h34
